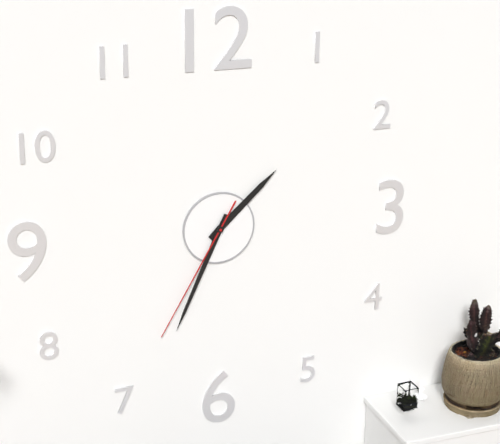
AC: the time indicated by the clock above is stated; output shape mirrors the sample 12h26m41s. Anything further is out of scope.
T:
1h34m35s
